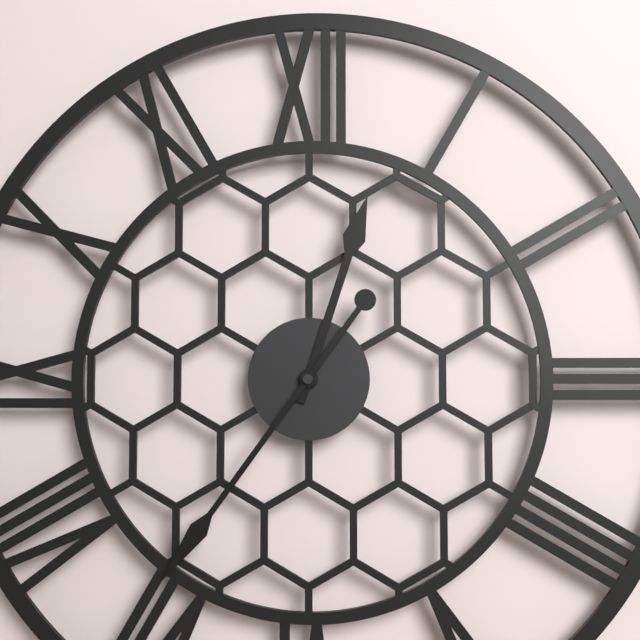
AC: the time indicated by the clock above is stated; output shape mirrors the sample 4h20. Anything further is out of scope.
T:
12h36
